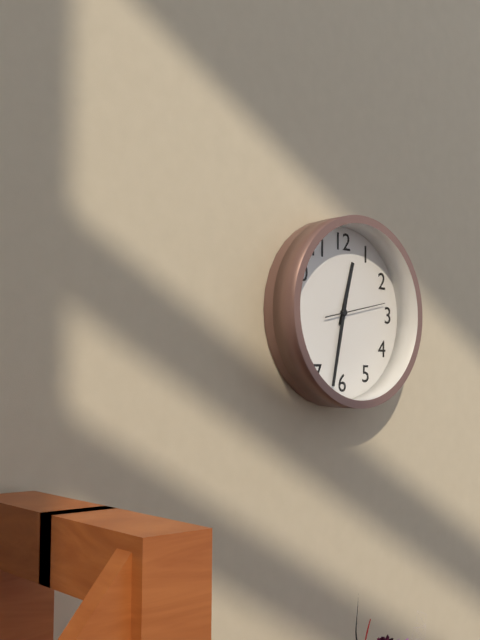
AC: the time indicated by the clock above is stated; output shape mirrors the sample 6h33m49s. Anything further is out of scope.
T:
12h32m13s
